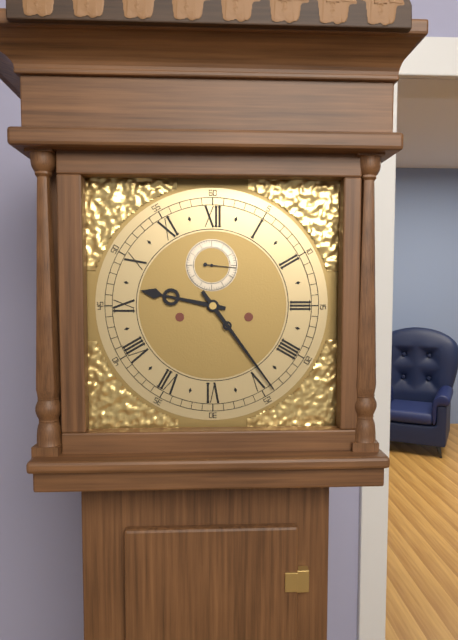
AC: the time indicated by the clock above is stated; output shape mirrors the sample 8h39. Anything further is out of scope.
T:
9h24
